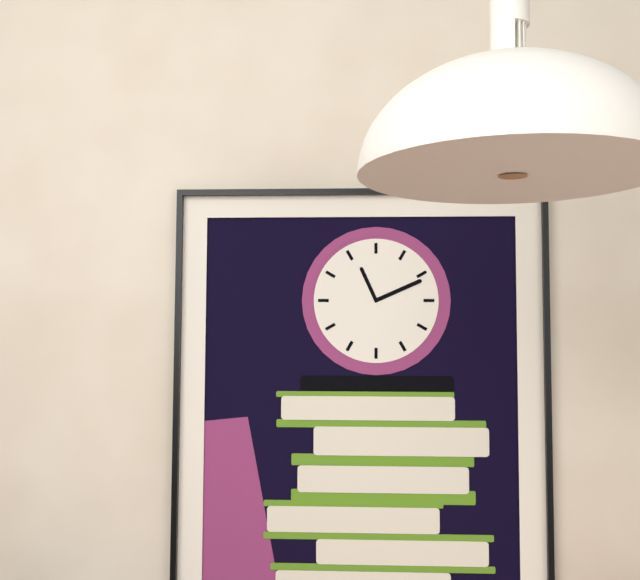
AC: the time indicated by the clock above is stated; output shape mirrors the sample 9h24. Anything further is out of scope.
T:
11h11
